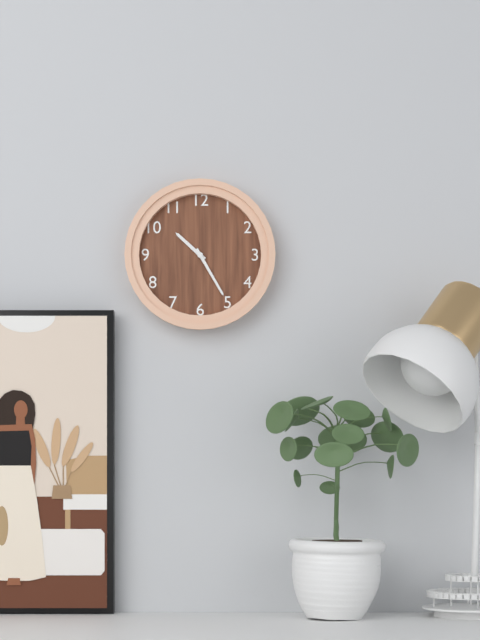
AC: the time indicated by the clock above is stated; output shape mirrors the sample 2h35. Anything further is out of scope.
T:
10h25
